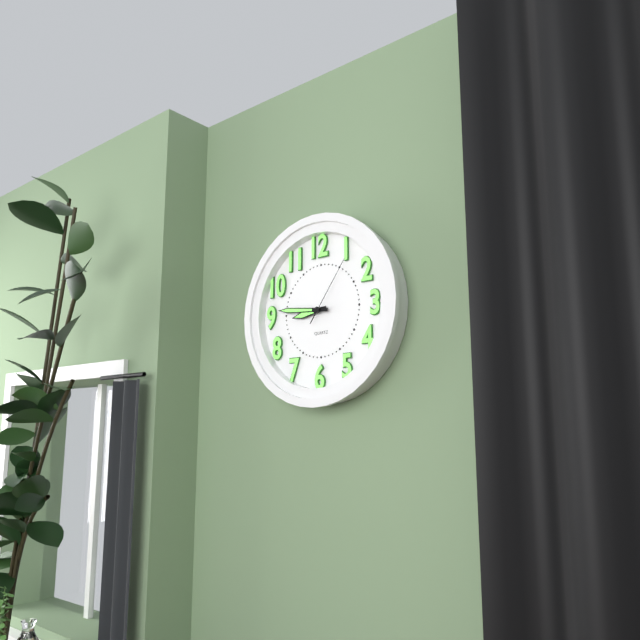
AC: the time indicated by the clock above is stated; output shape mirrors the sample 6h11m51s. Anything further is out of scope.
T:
8h46m06s
